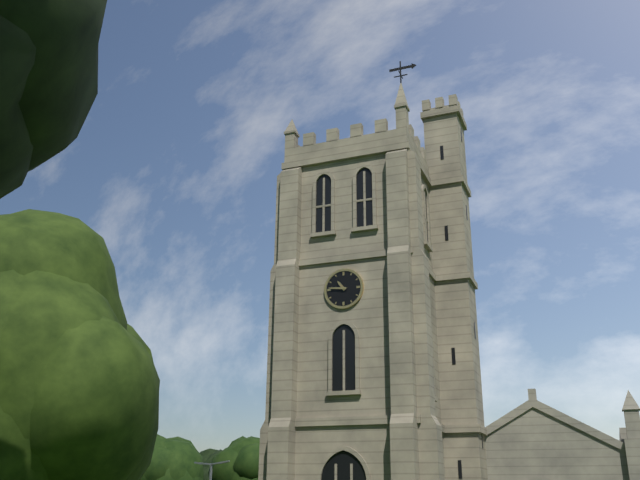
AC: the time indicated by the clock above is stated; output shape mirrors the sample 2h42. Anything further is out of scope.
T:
10h46
